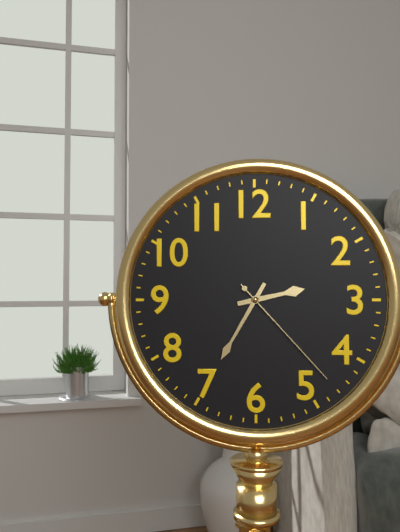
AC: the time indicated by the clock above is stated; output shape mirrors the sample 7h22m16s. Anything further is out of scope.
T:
2h35m23s
